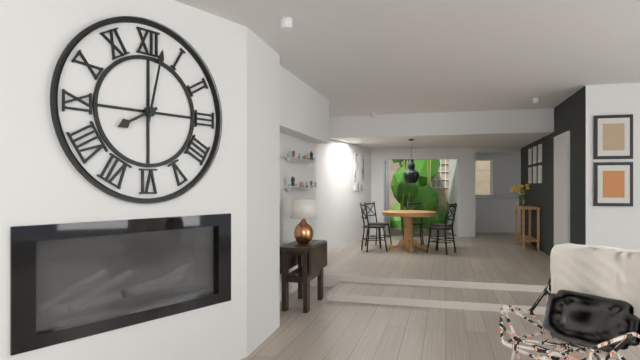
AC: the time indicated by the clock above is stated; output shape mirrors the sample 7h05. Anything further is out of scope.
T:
8h02
